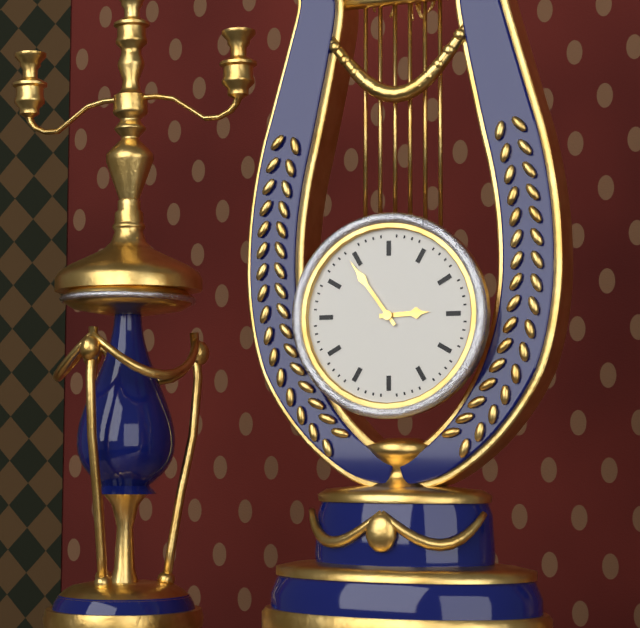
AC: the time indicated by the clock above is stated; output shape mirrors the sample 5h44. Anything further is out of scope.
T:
2h54
